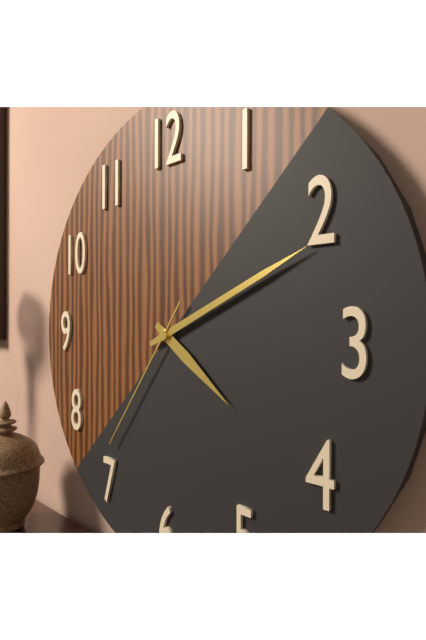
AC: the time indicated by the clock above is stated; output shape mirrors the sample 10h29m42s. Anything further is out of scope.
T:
4h11m36s
